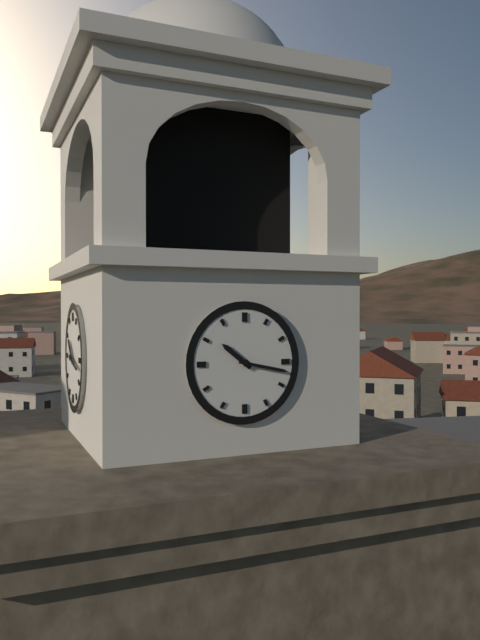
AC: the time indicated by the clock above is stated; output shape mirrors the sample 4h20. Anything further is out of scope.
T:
10h17
